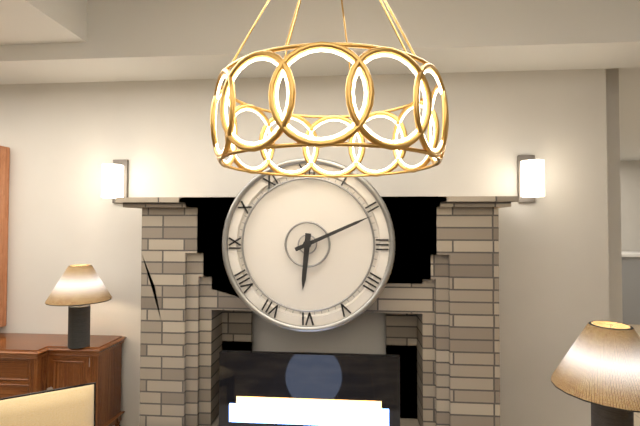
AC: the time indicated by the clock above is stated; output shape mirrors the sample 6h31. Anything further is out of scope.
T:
6h11
